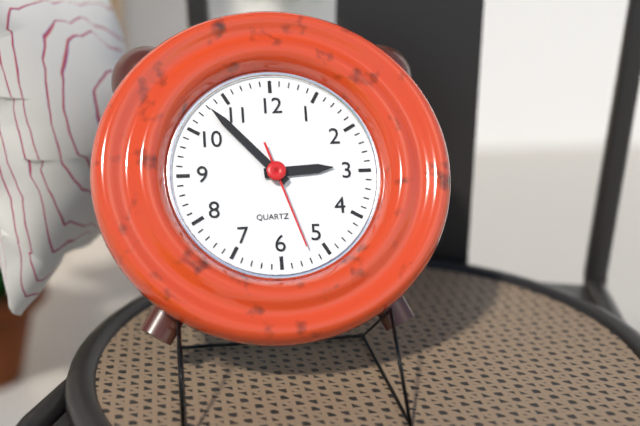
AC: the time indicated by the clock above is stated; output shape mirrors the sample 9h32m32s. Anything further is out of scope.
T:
2h53m27s
